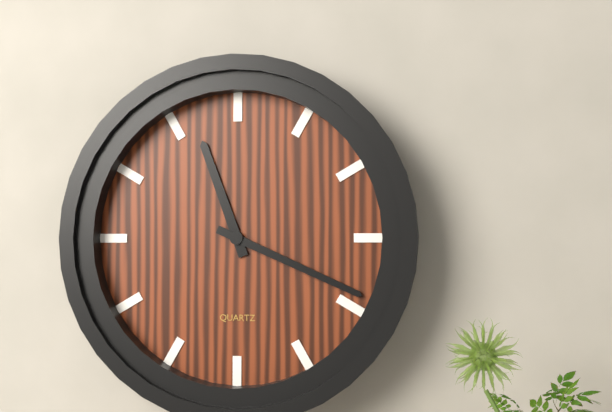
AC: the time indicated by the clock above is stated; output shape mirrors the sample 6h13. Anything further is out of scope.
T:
11h19
